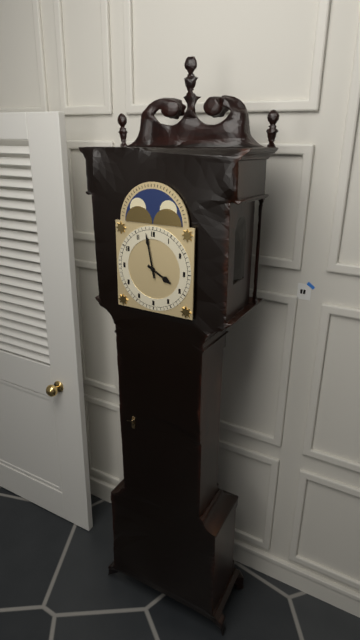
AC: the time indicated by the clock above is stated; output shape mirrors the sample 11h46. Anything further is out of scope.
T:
3h58
